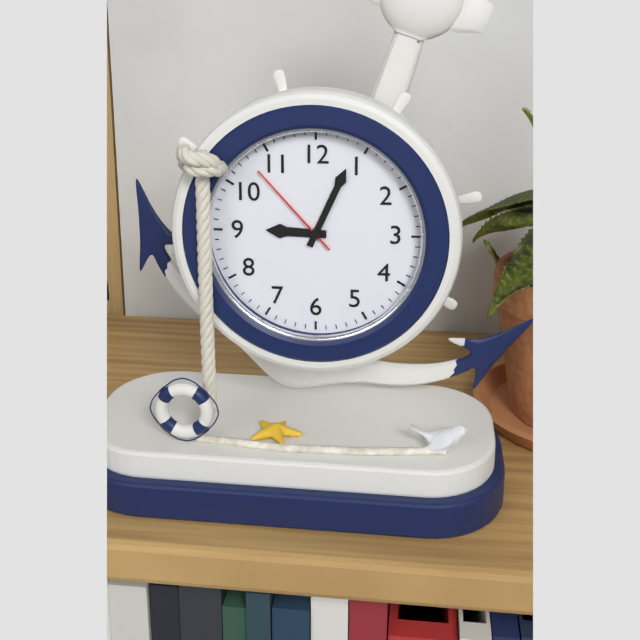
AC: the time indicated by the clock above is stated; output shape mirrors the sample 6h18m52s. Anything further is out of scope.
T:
9h04m53s
